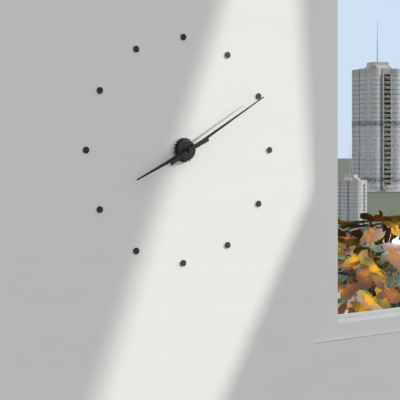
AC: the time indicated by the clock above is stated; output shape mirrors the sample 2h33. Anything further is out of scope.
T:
8h10
